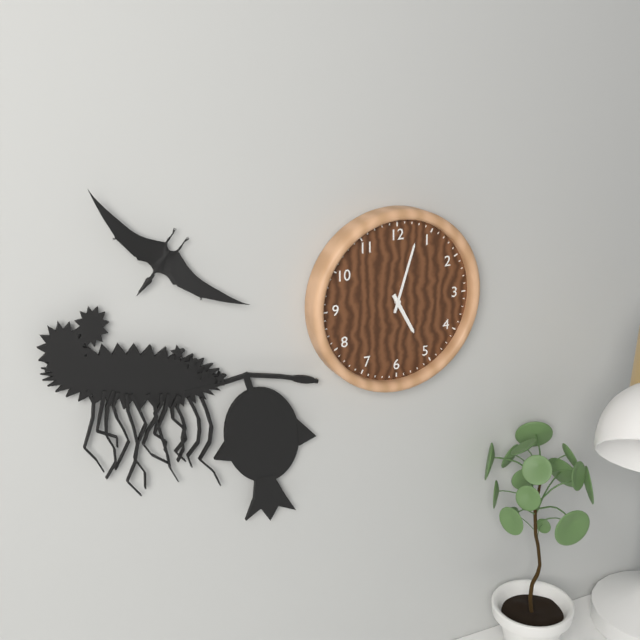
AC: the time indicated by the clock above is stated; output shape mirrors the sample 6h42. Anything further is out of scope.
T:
5h03
